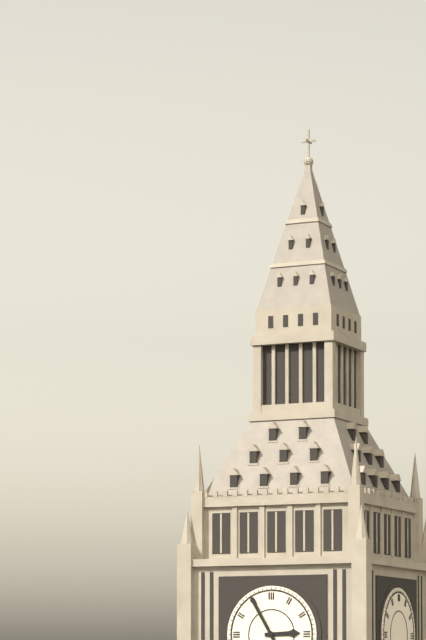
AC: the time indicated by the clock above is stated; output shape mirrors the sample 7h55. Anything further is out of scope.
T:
2h55
